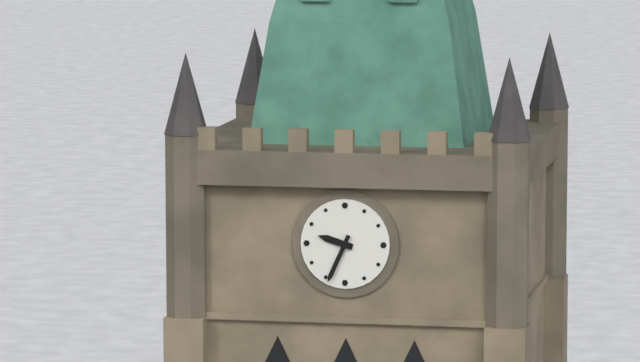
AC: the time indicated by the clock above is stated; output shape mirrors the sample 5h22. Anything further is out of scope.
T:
9h34
